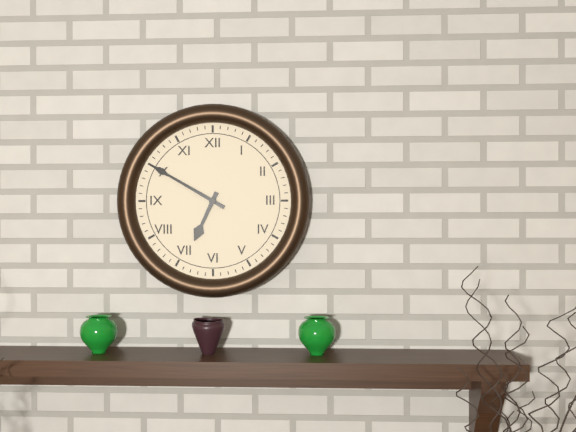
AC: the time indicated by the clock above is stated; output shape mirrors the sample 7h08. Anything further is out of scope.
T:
6h50
